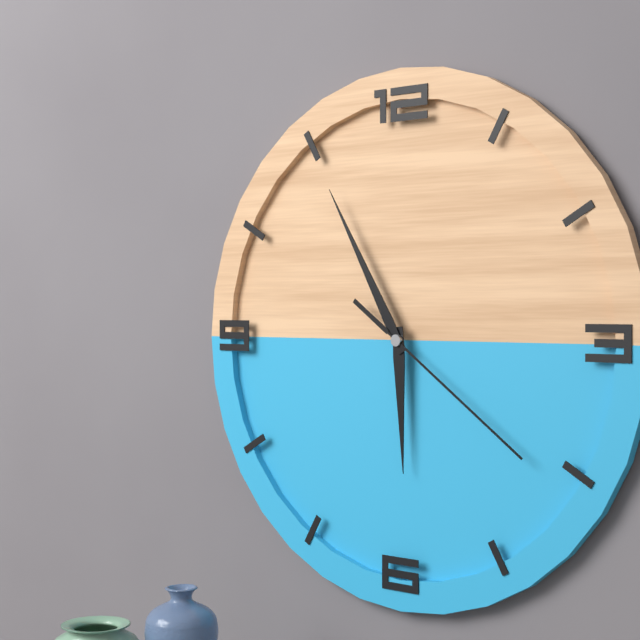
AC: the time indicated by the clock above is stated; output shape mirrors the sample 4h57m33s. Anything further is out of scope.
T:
5h55m21s
